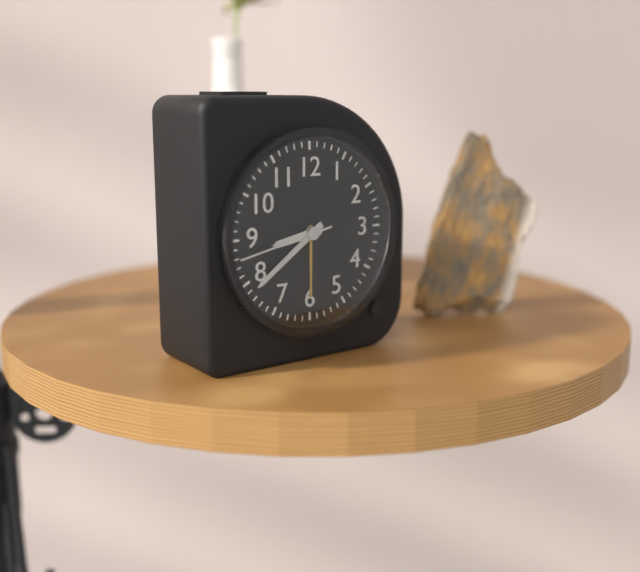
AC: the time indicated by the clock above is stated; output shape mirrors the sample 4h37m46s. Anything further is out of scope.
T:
8h39m43s
